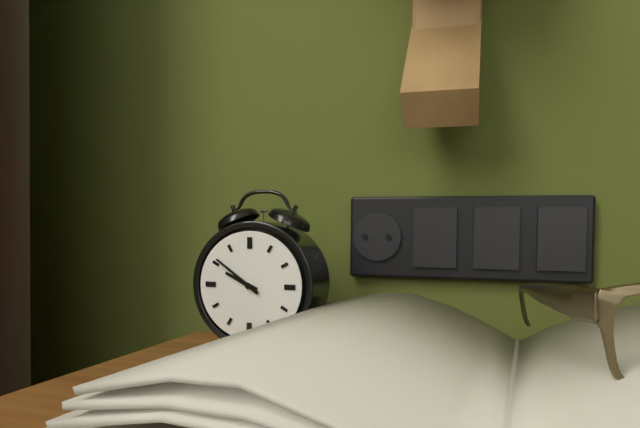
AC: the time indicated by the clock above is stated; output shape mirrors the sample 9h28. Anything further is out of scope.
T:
9h51
